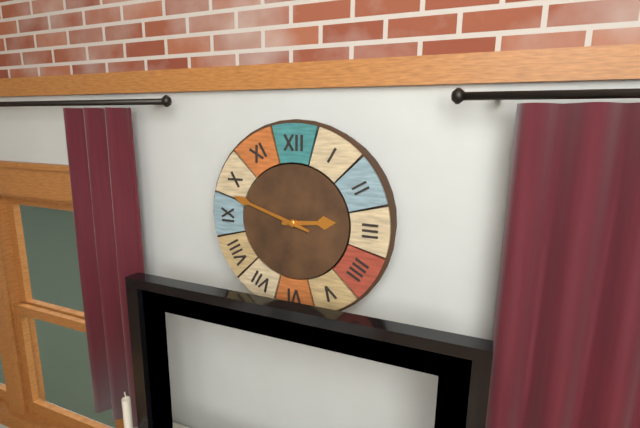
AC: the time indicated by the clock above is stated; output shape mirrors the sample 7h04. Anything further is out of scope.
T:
2h48
